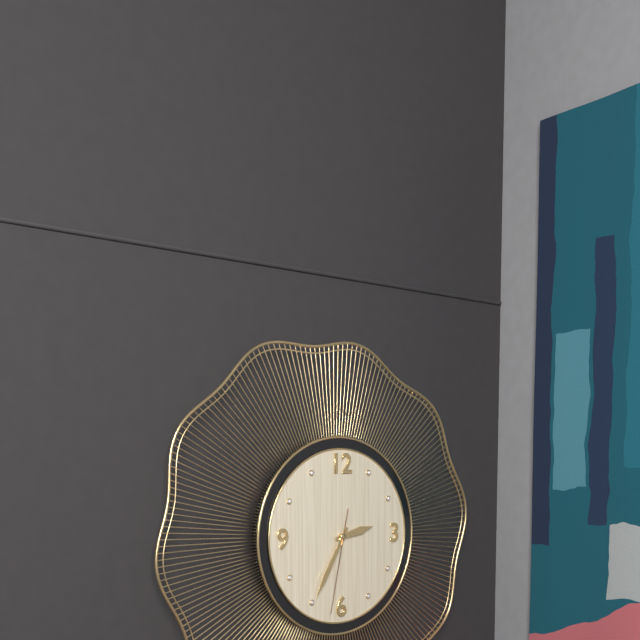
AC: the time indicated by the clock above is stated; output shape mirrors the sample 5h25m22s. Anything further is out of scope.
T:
2h35m32s
